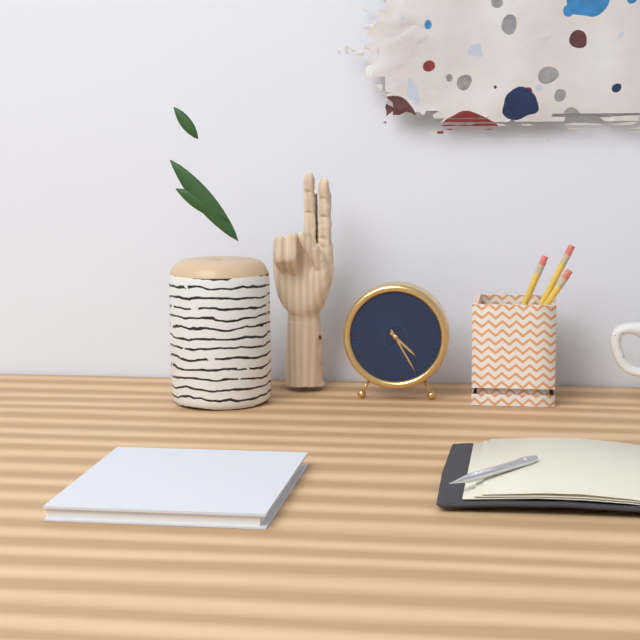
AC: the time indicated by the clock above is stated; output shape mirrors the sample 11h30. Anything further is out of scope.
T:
4h25
